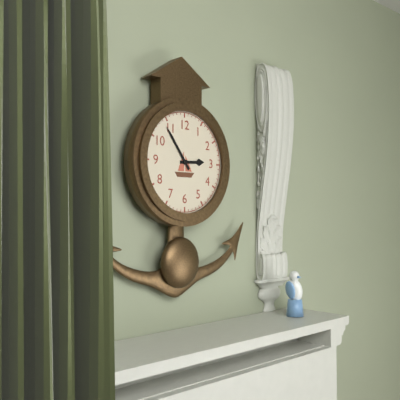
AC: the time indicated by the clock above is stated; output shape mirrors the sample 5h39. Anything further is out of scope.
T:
2h54
